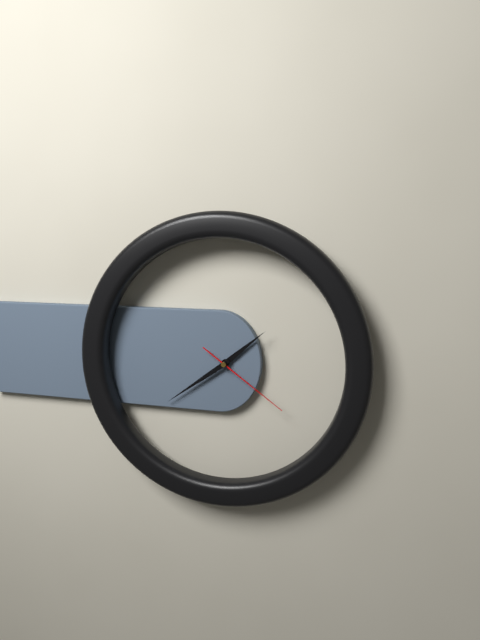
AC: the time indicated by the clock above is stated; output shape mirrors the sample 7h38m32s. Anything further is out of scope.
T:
1h39m21s
